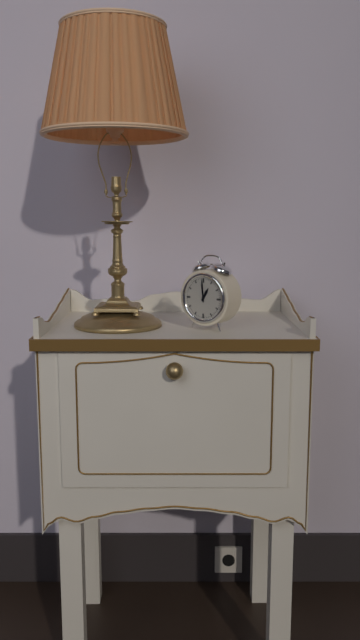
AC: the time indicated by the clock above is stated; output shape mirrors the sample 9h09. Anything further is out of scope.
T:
12h59
